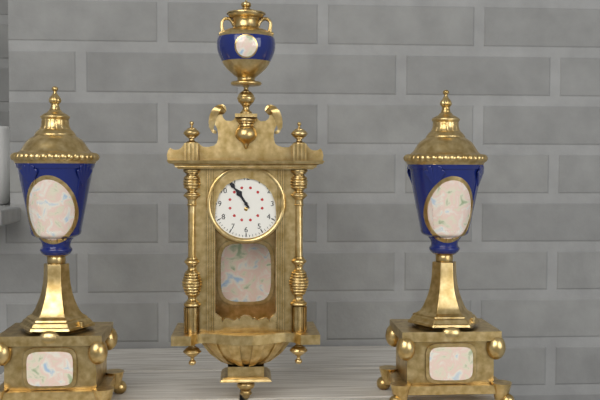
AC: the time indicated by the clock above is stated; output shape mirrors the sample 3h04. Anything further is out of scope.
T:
10h54
